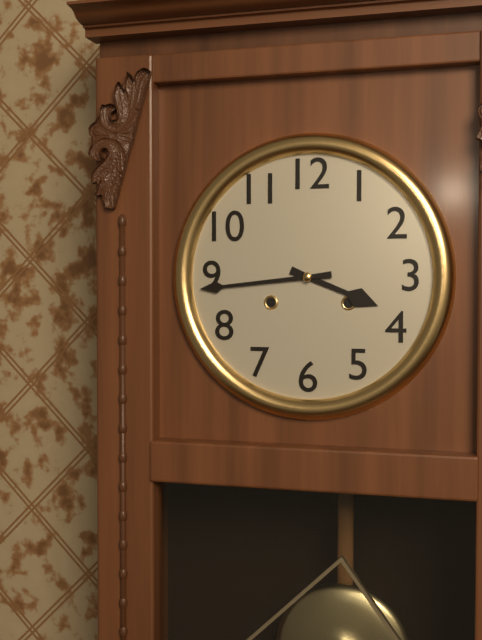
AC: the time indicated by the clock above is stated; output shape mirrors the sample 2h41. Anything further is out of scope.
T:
3h44
